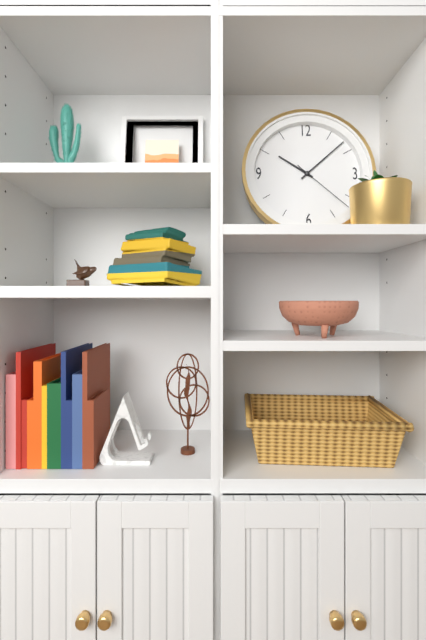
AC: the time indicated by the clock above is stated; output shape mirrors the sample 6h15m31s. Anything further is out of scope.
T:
10h08m22s
